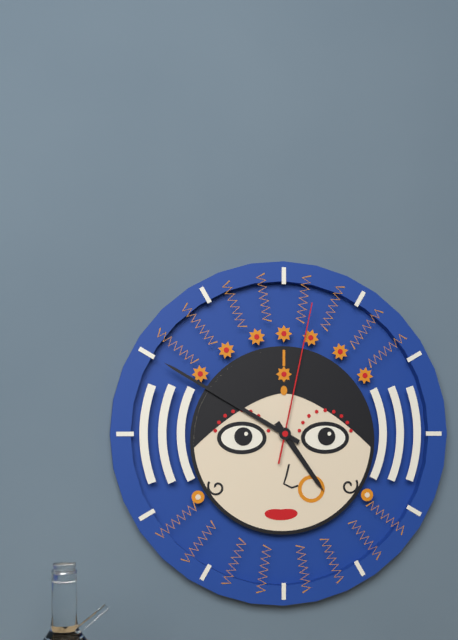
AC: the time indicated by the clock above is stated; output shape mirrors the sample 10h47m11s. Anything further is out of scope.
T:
4h50m02s
